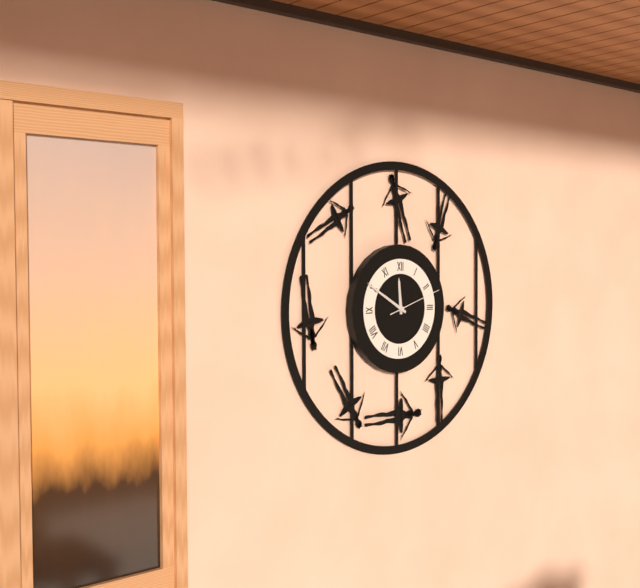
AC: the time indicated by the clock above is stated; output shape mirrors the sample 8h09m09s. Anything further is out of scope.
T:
11h50m12s
